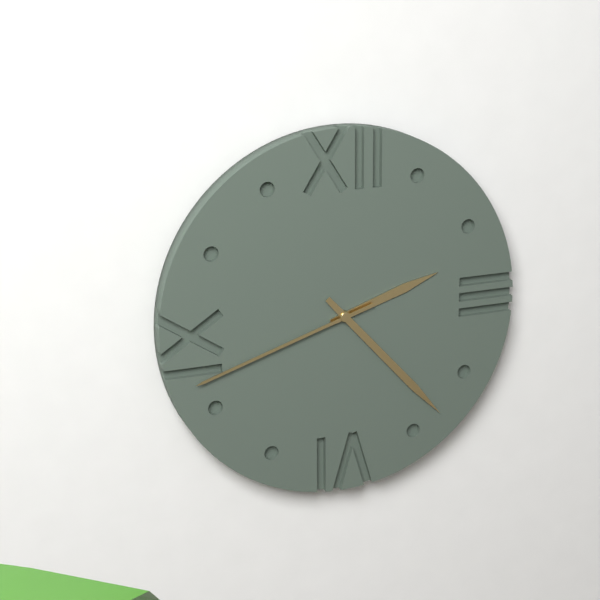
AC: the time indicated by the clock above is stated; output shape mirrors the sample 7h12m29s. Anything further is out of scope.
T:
2h23m42s
